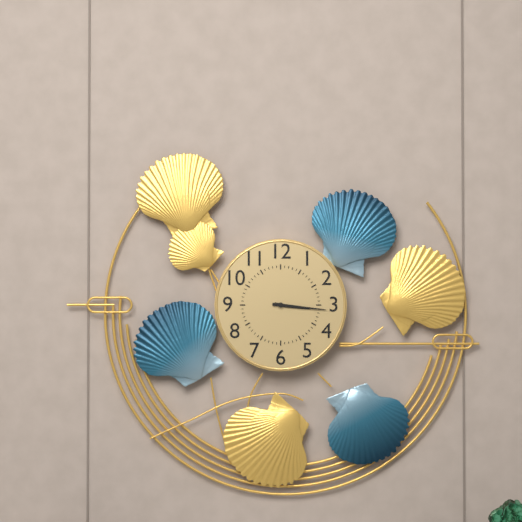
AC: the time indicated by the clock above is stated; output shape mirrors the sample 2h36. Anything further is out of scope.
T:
3h16
